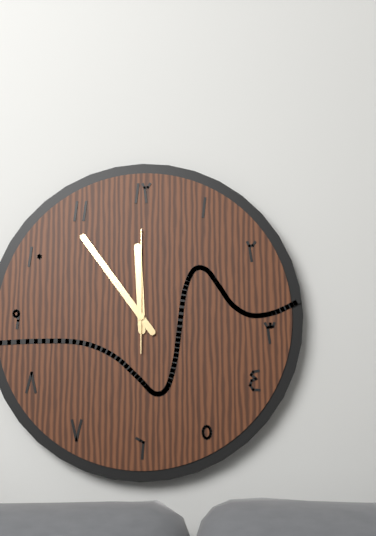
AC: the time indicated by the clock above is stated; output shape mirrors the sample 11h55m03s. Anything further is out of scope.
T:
11h54m00s
